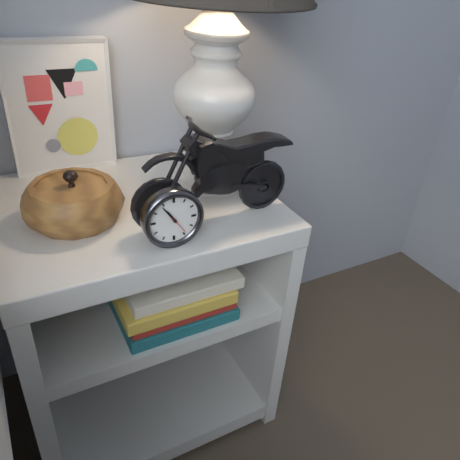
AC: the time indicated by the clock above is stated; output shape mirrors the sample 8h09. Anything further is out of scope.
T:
10h54
